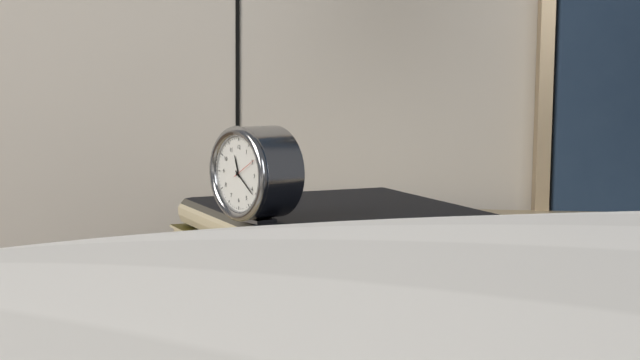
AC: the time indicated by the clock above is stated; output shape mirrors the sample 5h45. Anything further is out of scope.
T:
11h21
